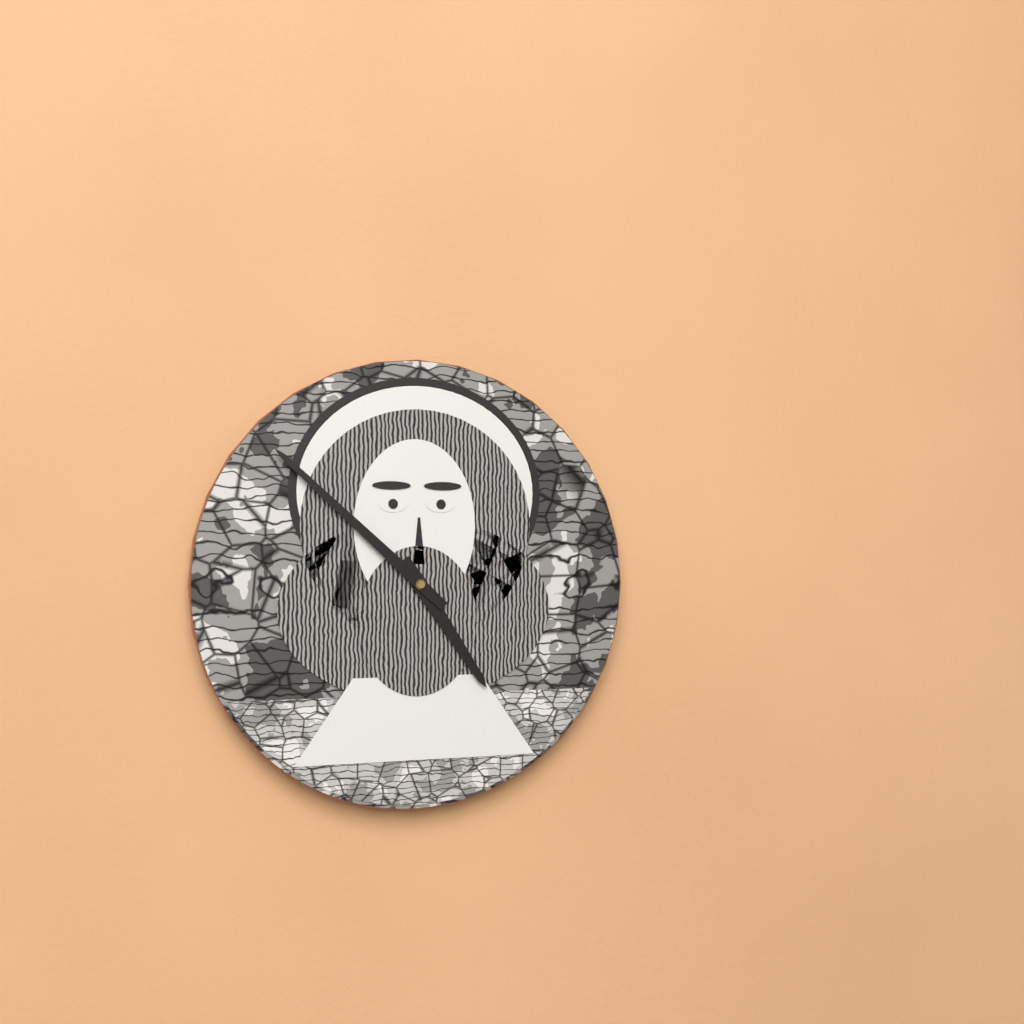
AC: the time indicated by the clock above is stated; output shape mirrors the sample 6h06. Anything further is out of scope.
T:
4h52
